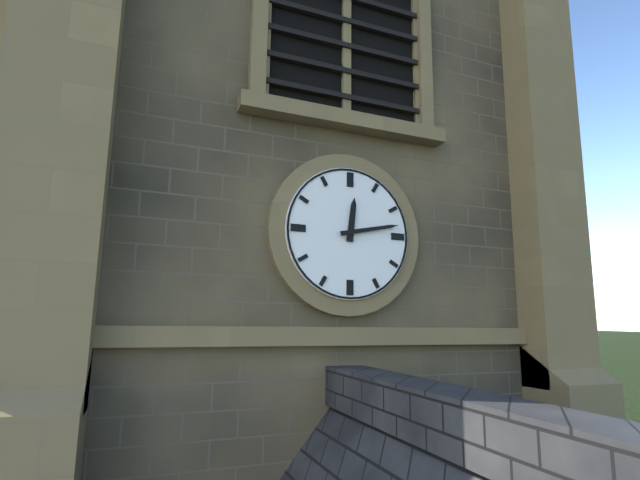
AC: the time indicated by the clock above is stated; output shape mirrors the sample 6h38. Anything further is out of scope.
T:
12h13
